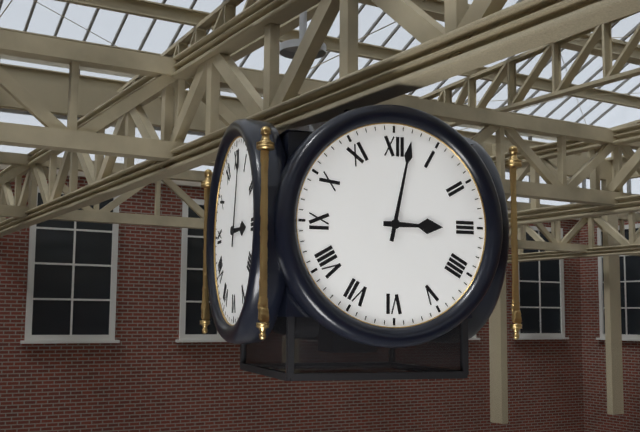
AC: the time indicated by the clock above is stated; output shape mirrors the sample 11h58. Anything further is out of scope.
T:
3h02
